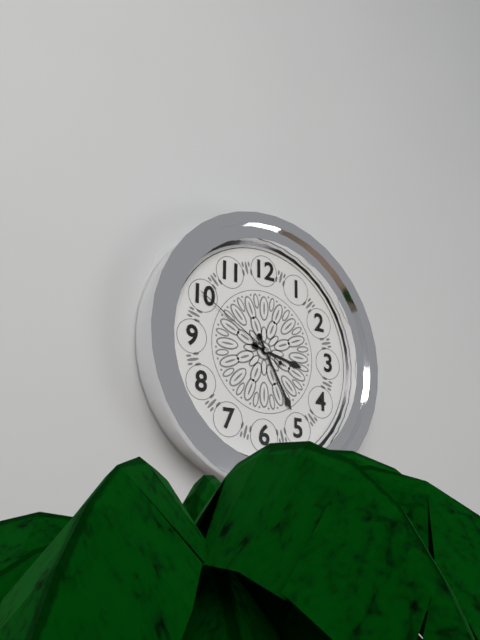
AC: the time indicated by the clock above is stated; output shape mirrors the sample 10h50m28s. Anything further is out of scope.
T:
3h25m50s
